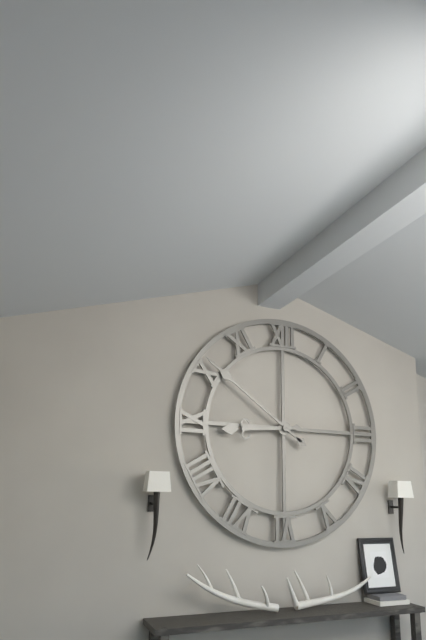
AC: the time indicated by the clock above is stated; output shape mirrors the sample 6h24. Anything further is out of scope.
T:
8h51
